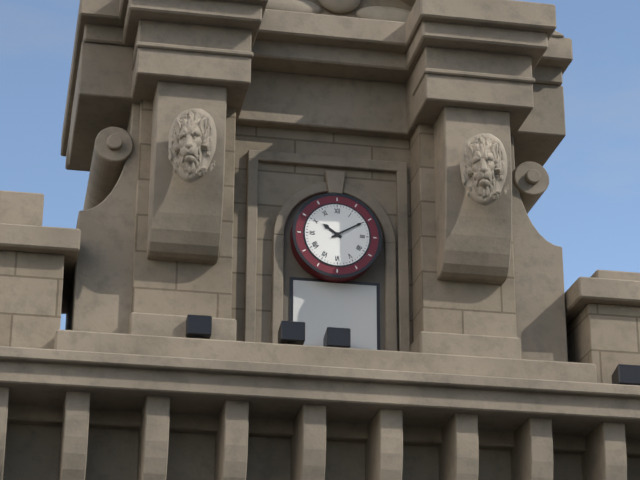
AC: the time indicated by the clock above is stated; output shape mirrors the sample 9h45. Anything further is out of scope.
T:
10h10
